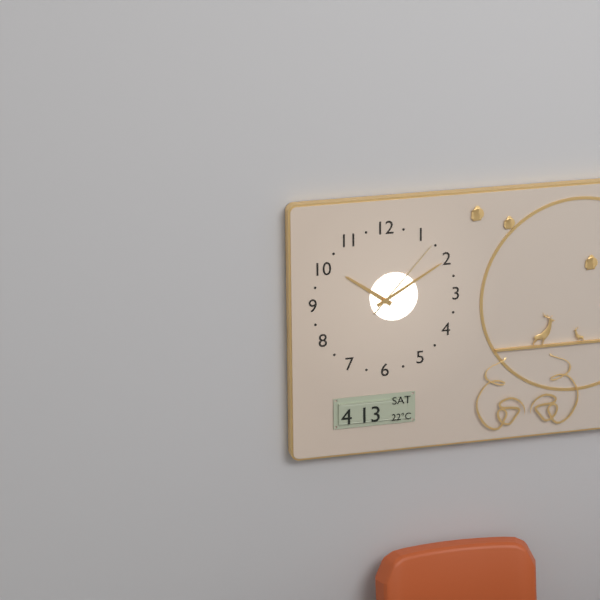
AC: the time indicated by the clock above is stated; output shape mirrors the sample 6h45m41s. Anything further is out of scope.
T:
10h10m07s
